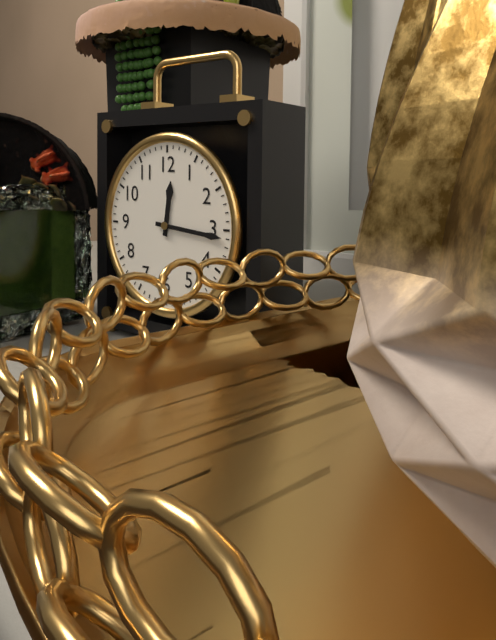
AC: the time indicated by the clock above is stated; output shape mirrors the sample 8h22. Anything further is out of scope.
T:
12h16
